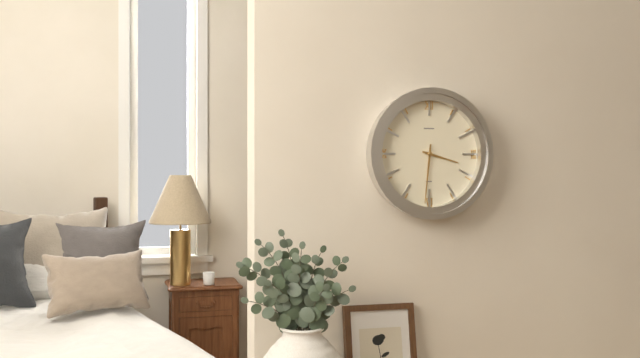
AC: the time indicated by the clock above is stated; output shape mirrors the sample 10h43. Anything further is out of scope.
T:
3h31
